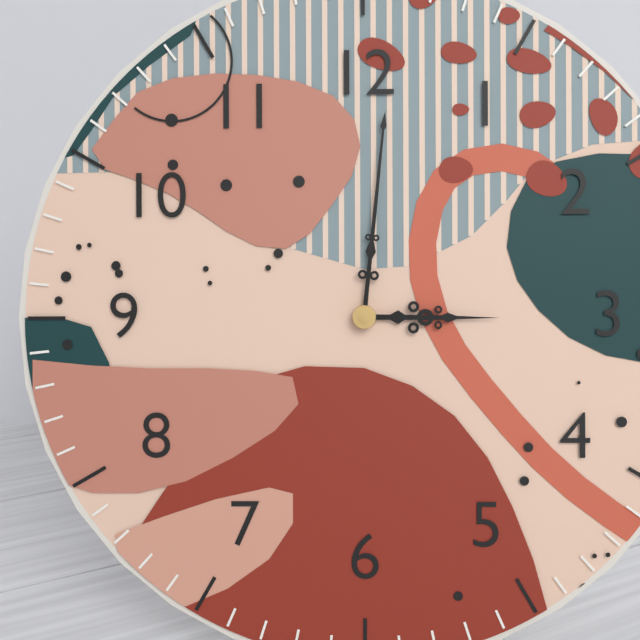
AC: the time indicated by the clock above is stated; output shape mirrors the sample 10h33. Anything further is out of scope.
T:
3h01
